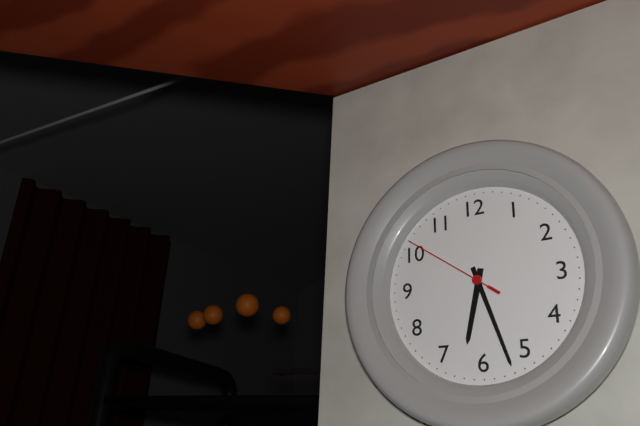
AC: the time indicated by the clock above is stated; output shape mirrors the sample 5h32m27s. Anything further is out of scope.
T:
6h27m51s
